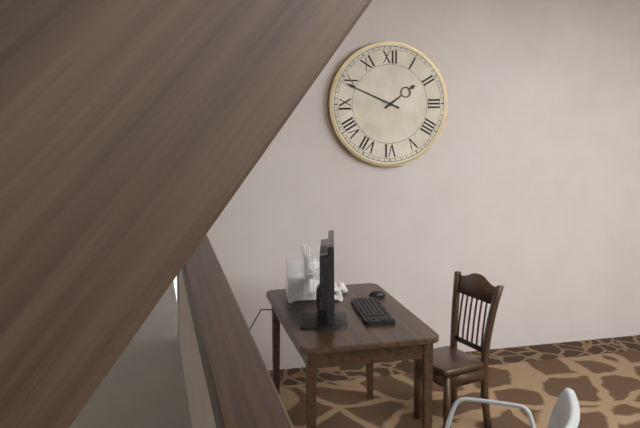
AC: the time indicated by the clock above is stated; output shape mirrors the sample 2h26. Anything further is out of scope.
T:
1h49
